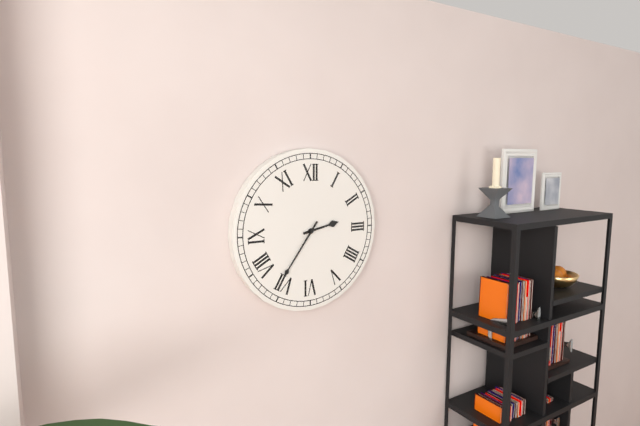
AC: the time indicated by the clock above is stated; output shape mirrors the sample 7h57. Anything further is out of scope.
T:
2h36
